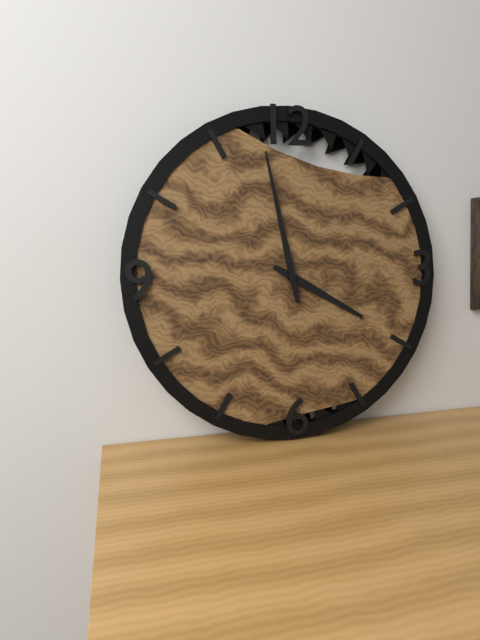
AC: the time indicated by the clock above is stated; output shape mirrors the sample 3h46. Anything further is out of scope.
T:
3h58
